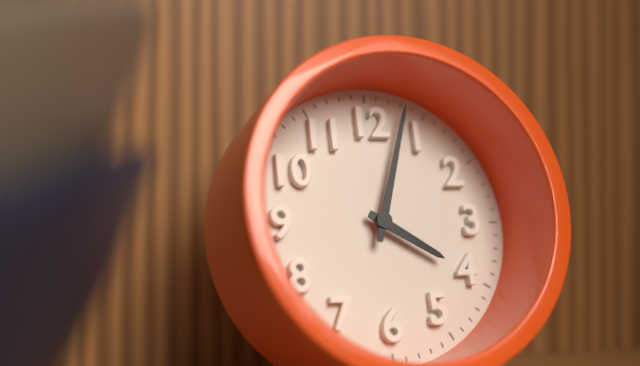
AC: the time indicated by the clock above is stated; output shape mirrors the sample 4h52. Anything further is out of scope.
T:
4h03
